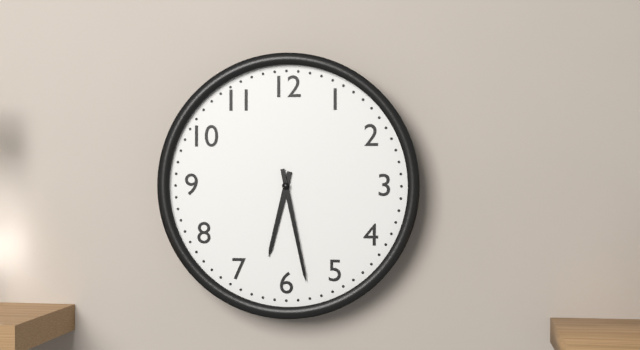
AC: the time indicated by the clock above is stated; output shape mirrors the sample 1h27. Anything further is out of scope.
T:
6h28
